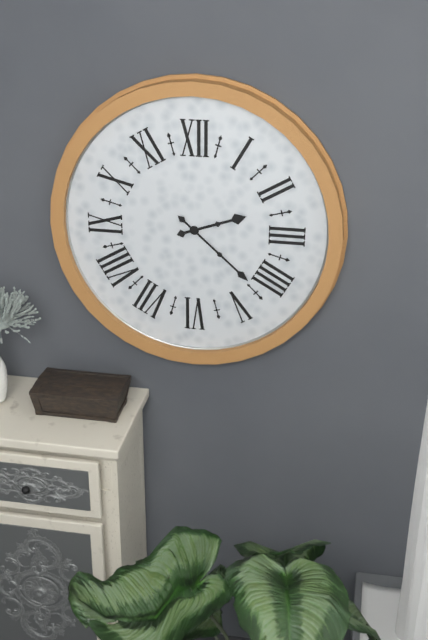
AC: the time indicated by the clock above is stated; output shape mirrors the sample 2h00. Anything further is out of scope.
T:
2h22
